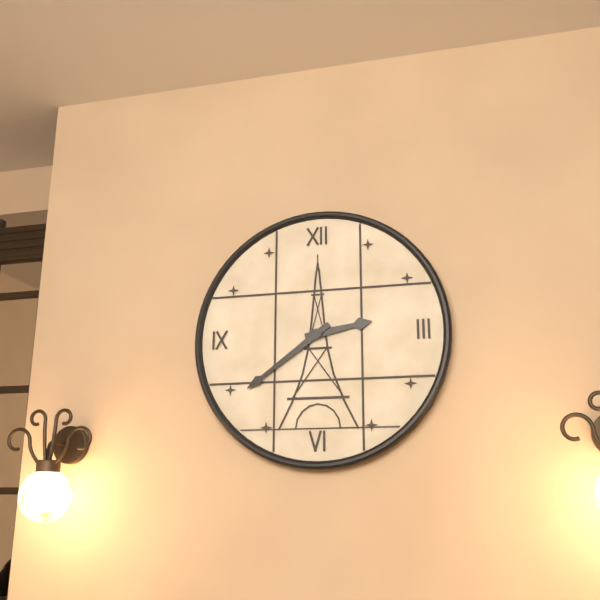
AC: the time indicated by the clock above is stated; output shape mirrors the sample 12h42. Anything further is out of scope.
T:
2h39
